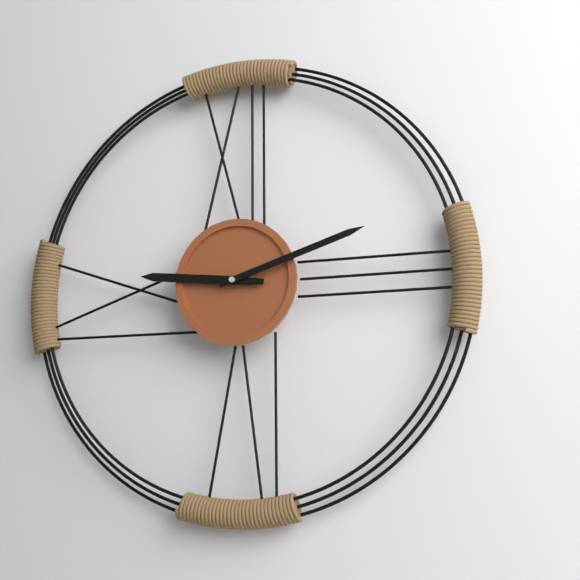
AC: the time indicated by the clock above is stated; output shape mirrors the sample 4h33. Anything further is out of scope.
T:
9h12
